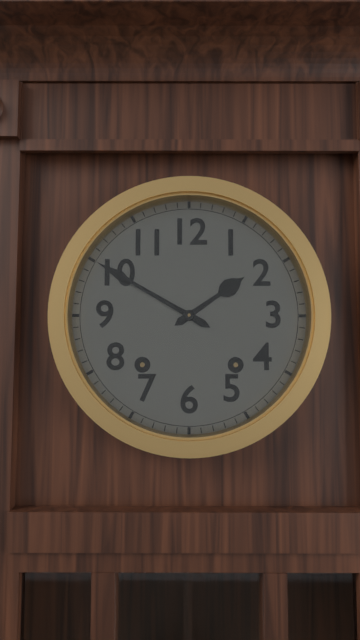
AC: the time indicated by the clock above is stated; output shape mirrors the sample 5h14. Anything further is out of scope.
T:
1h50
